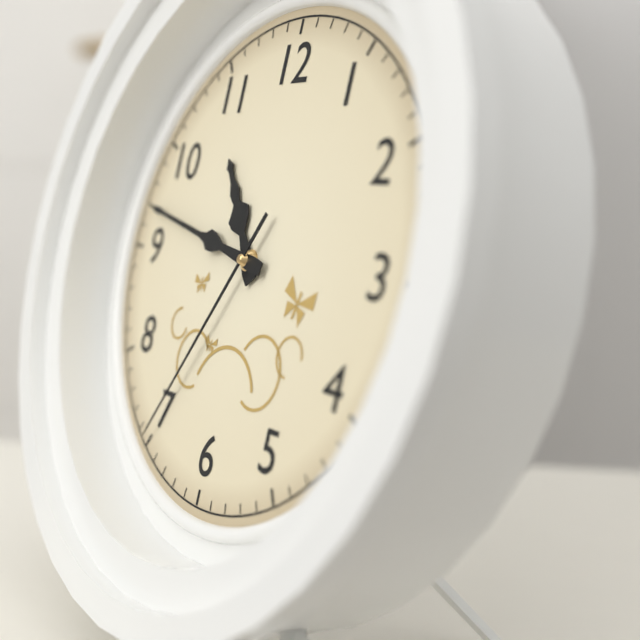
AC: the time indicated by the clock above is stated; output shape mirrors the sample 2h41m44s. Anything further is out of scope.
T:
10h47m35s
